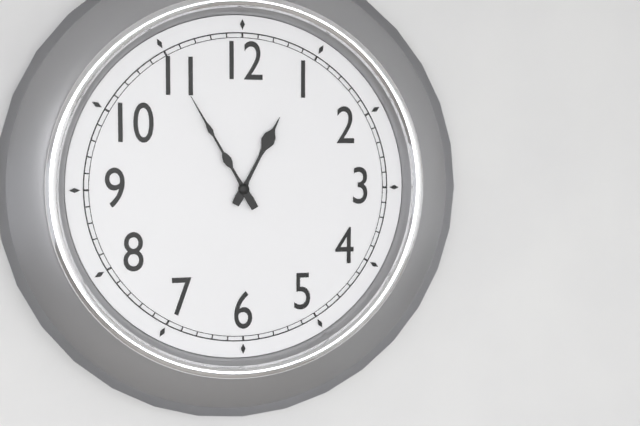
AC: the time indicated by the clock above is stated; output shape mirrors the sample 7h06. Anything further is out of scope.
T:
12h55
